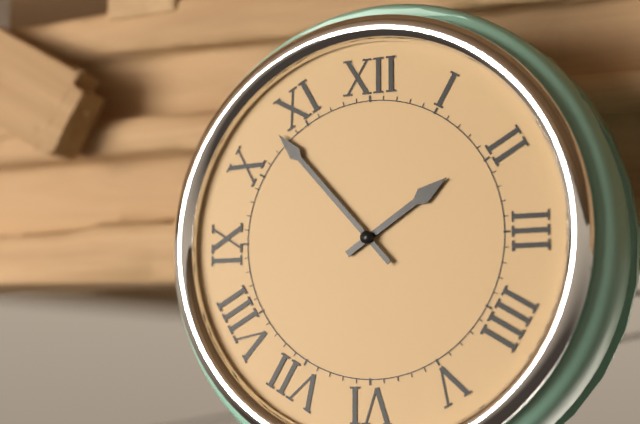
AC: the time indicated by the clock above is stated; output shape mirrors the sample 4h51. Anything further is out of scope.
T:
1h53
